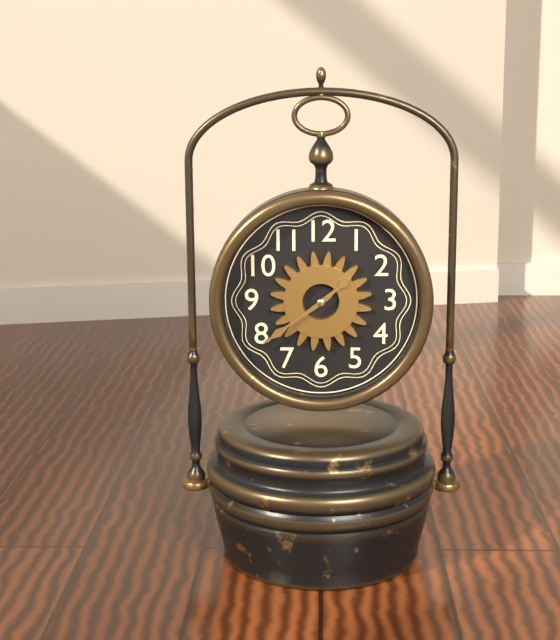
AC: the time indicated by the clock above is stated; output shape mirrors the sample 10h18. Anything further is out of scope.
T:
1h39
